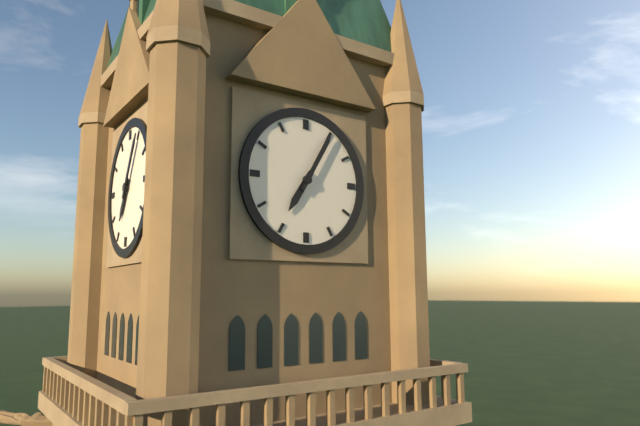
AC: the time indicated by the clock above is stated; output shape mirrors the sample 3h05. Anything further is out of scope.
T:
7h05
